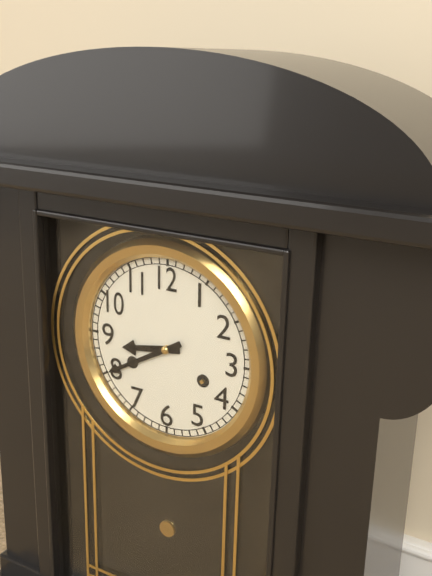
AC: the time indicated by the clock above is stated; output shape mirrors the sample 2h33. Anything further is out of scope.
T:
8h40
